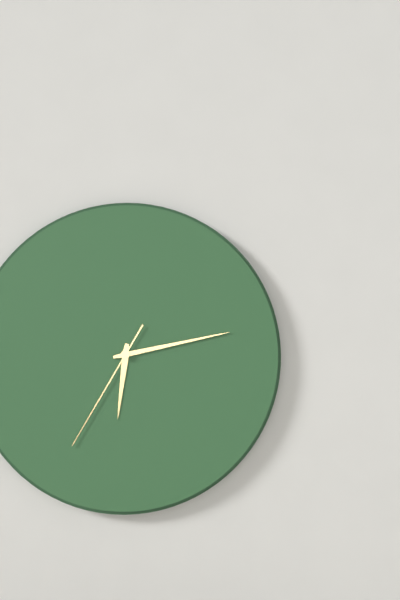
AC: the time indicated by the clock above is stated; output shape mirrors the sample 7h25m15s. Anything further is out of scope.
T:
6h13m35s
